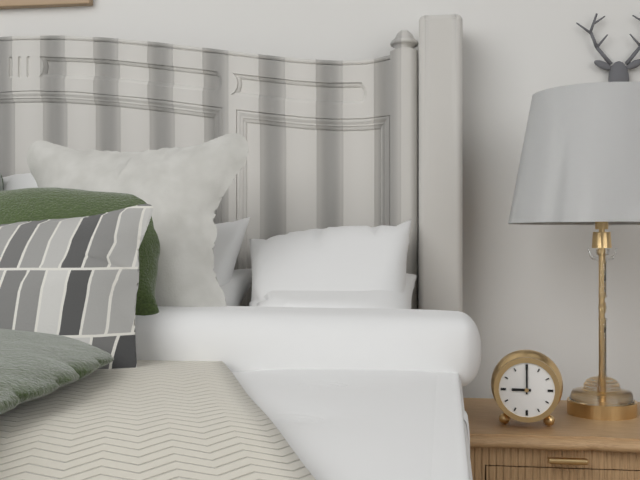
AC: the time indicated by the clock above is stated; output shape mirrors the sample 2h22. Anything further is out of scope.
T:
9h00
